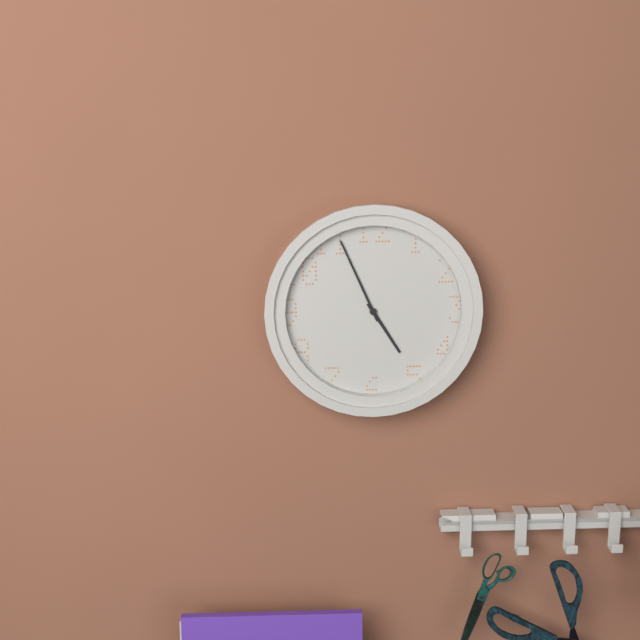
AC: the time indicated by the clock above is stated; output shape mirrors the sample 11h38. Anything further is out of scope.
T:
4h56
